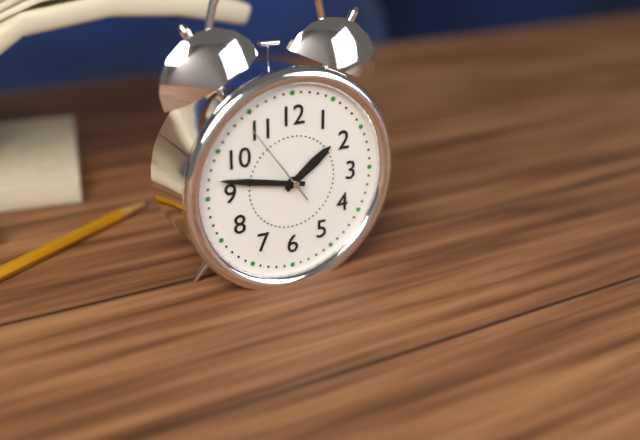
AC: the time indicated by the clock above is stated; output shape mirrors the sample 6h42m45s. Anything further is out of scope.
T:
1h47m54s
